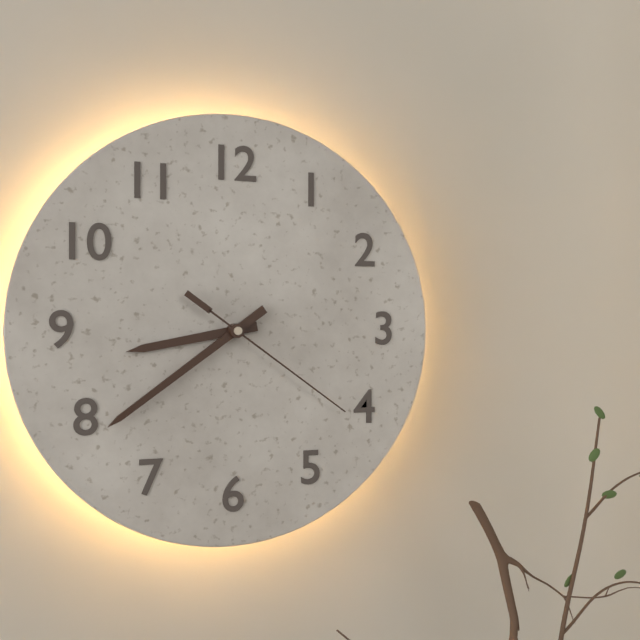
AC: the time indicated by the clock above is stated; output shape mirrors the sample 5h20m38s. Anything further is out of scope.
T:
8h39m21s
